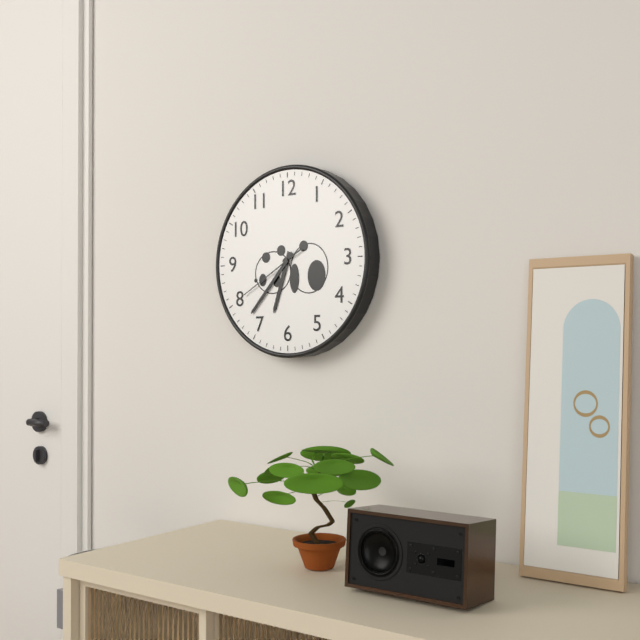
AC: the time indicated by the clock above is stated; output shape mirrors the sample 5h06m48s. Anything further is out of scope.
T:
6h37m40s
